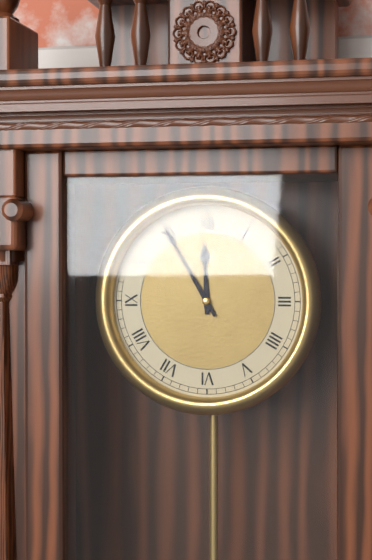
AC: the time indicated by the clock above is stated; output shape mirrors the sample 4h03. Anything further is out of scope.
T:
11h55
